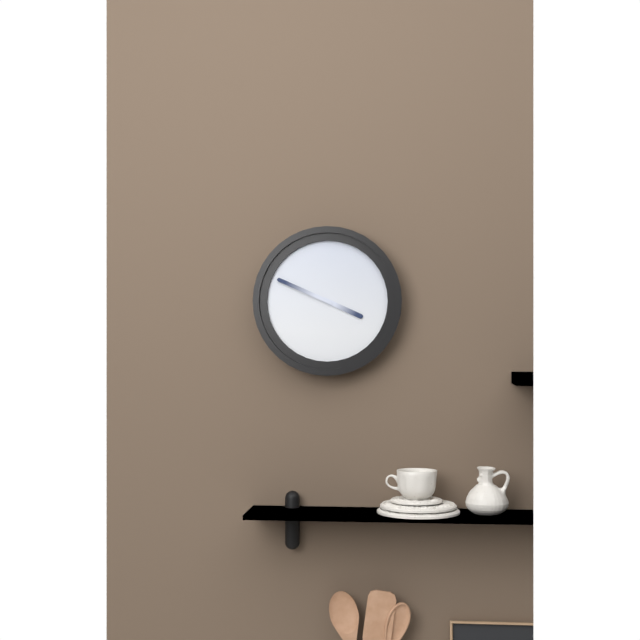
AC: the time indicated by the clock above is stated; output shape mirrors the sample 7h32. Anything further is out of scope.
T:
3h49
